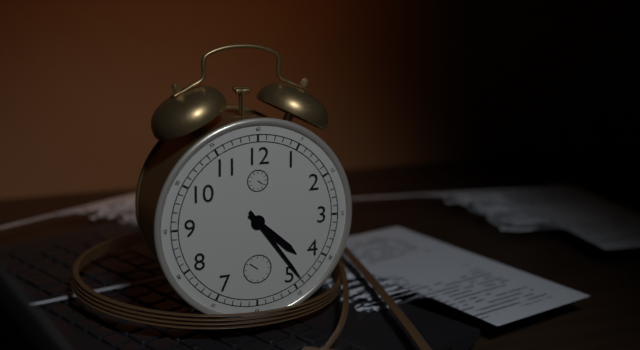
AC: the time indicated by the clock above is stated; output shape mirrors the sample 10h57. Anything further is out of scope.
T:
4h24
